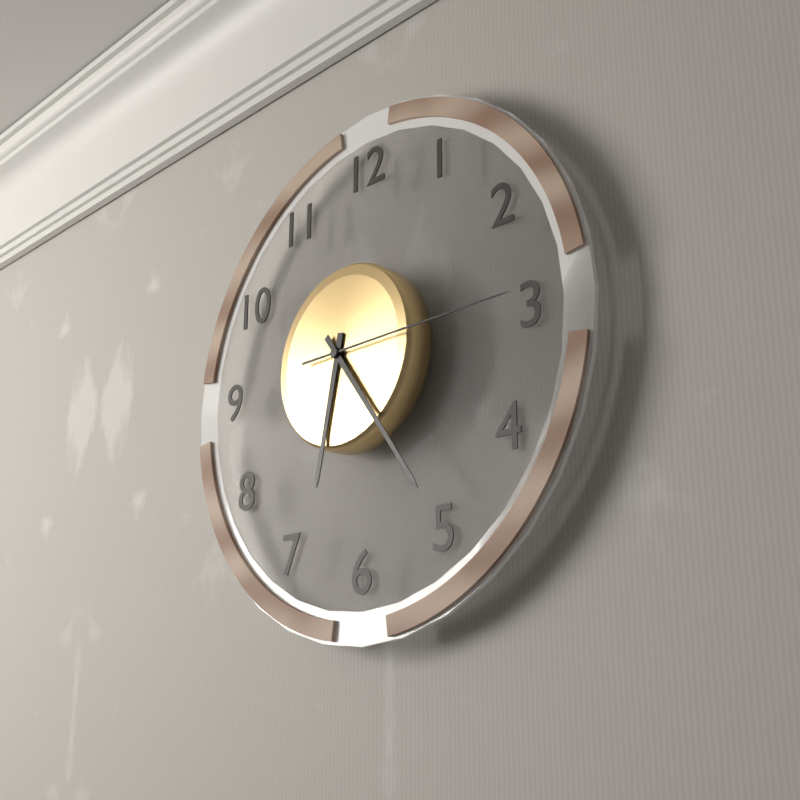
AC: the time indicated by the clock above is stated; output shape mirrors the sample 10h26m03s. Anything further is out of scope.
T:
6h24m15s
